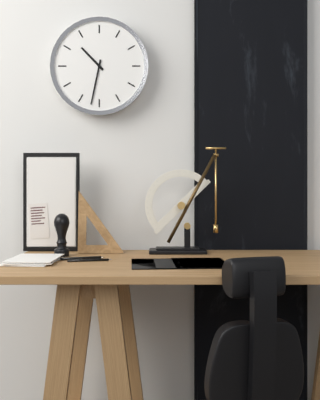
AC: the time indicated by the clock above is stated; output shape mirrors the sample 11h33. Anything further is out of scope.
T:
10h32
